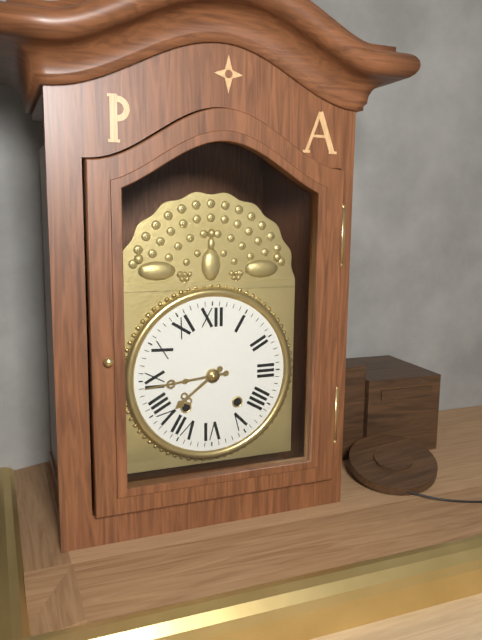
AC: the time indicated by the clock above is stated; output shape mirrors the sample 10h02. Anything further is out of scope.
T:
7h44
